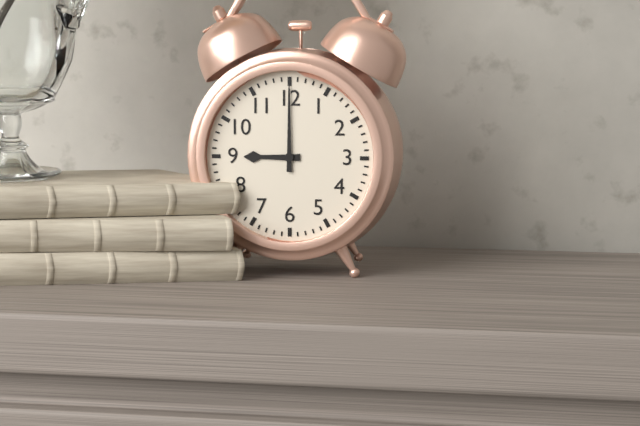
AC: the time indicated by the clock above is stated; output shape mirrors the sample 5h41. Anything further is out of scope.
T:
9h00
